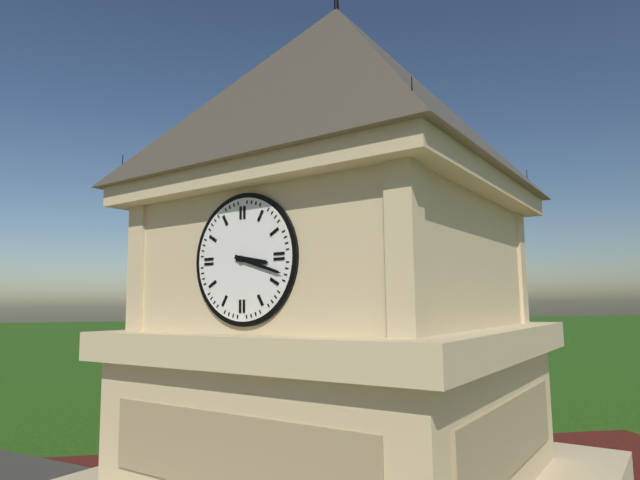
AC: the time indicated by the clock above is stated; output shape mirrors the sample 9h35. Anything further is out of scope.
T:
3h18
